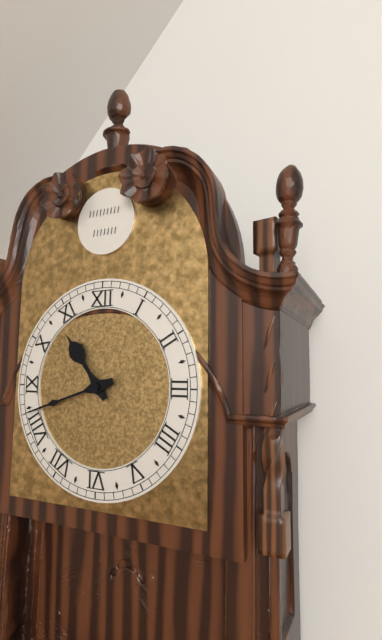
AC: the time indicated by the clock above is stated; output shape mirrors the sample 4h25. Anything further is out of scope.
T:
10h42
